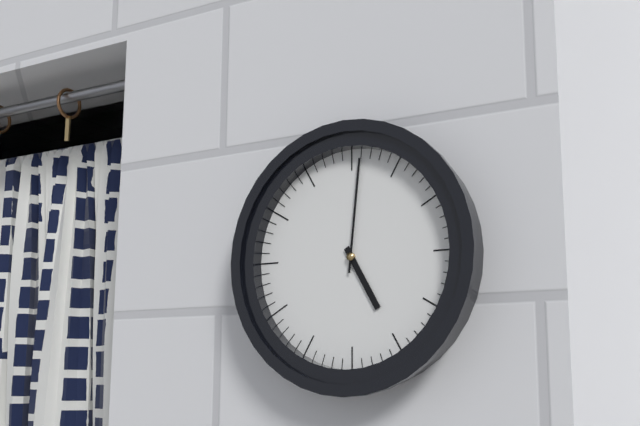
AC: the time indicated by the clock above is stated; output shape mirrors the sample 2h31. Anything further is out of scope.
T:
5h01
